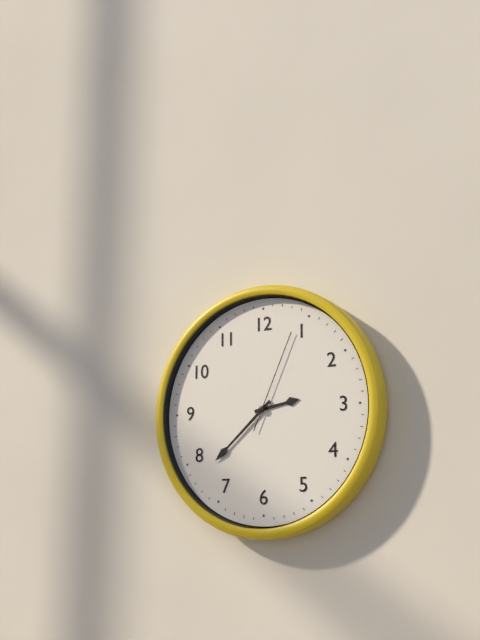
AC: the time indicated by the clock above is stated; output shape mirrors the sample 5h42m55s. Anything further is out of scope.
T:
2h38m04s
